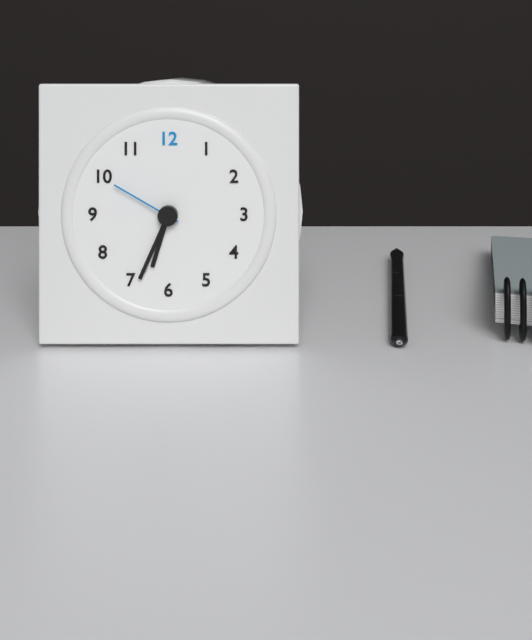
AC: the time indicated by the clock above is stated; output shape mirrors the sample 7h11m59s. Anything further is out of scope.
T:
6h34m50s
